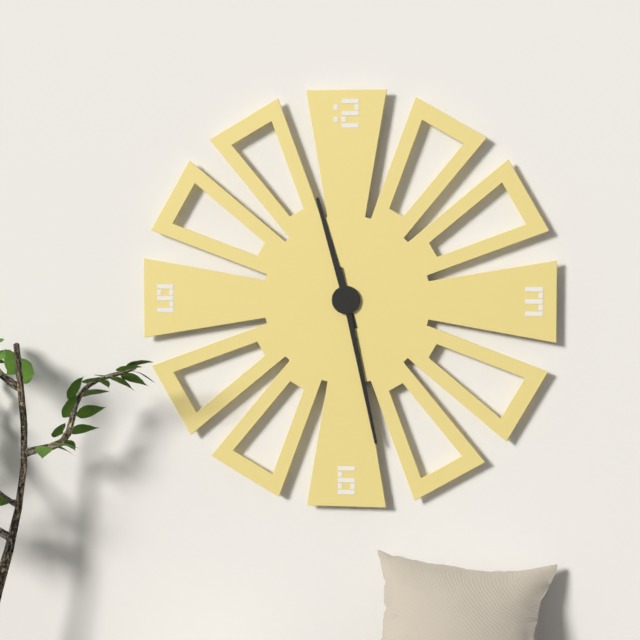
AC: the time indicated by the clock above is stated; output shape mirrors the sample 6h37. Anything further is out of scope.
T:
11h28
